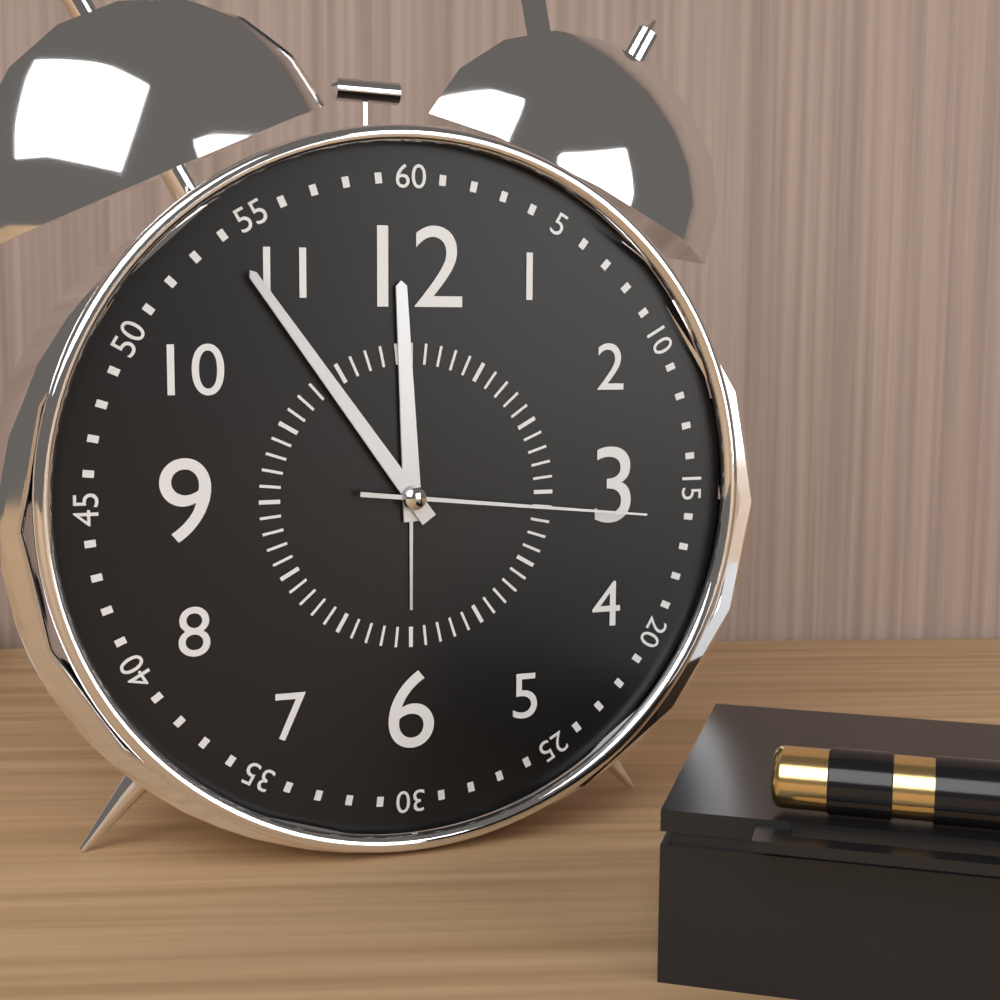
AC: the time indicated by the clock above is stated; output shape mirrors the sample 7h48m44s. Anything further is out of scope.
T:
11h54m16s
